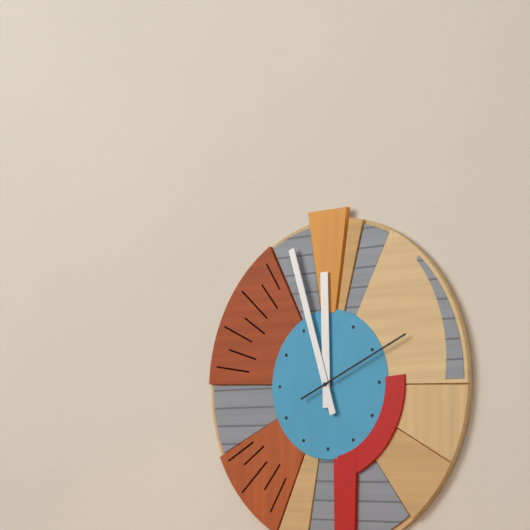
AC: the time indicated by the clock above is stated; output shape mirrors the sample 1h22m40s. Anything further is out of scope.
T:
11h57m11s
